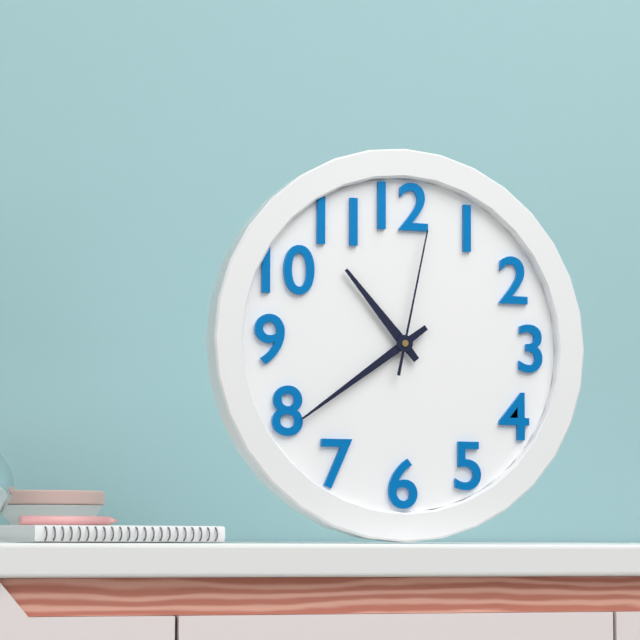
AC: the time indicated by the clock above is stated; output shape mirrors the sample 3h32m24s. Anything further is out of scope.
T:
10h39m02s
